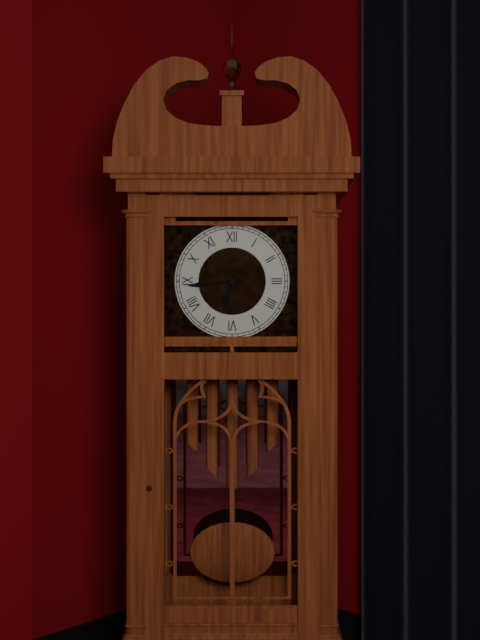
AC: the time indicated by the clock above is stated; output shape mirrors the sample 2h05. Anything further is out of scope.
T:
6h44
